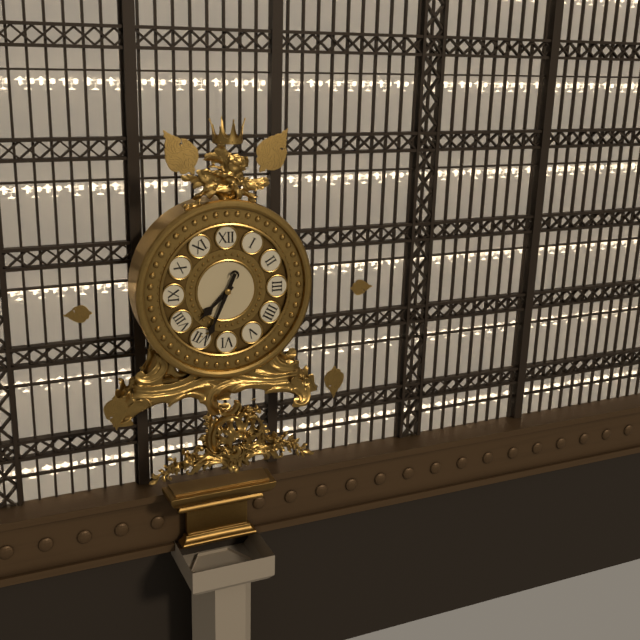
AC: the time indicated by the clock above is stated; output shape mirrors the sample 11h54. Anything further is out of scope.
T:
7h34
